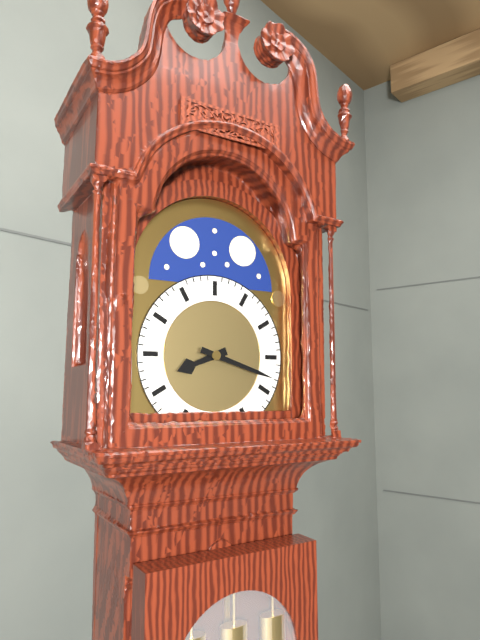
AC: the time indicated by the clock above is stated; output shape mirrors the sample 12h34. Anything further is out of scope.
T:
8h18
